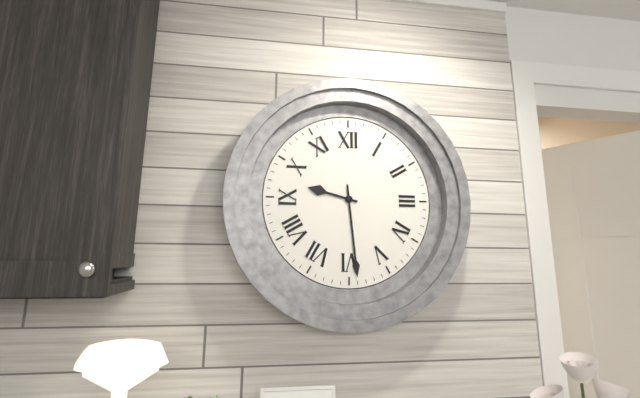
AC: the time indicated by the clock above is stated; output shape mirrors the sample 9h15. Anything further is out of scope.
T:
9h29
